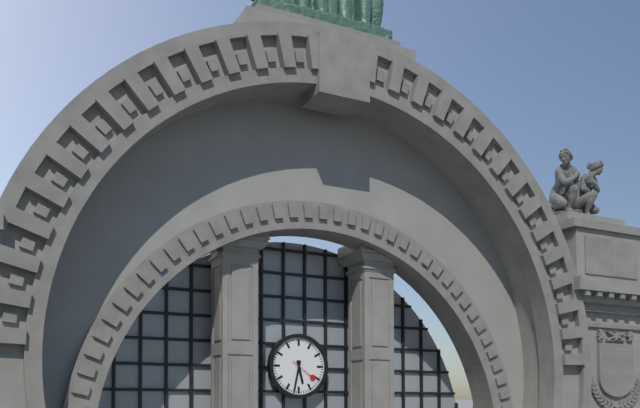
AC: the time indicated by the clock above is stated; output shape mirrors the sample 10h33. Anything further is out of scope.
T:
5h32
